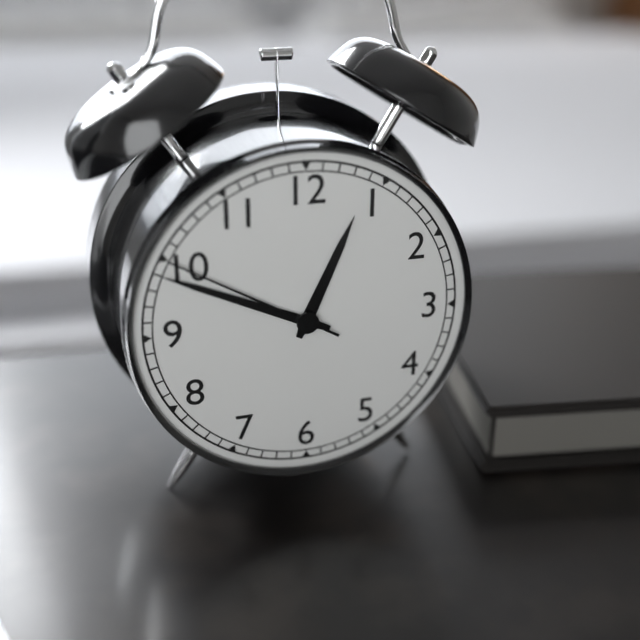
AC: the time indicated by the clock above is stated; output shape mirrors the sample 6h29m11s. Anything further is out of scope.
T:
12h49m50s
